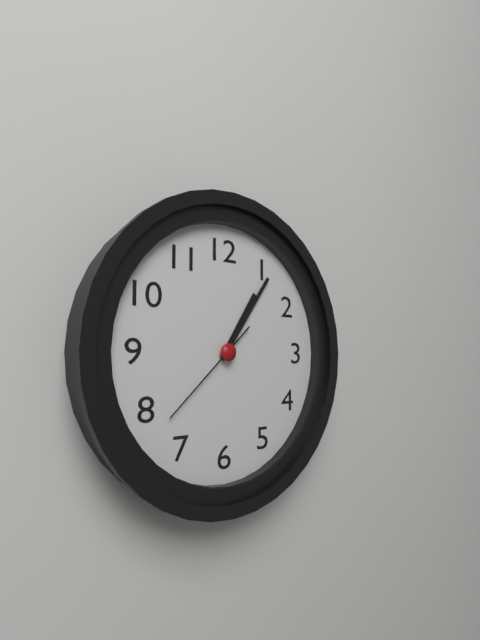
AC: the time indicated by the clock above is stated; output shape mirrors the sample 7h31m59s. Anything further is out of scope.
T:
1h06m38s
